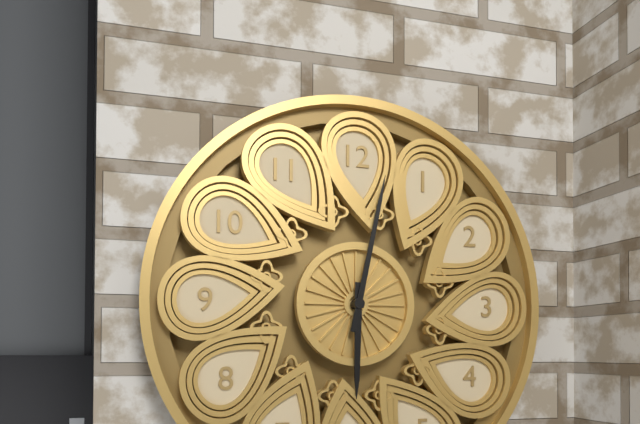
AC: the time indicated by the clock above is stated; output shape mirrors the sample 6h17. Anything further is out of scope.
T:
6h02
